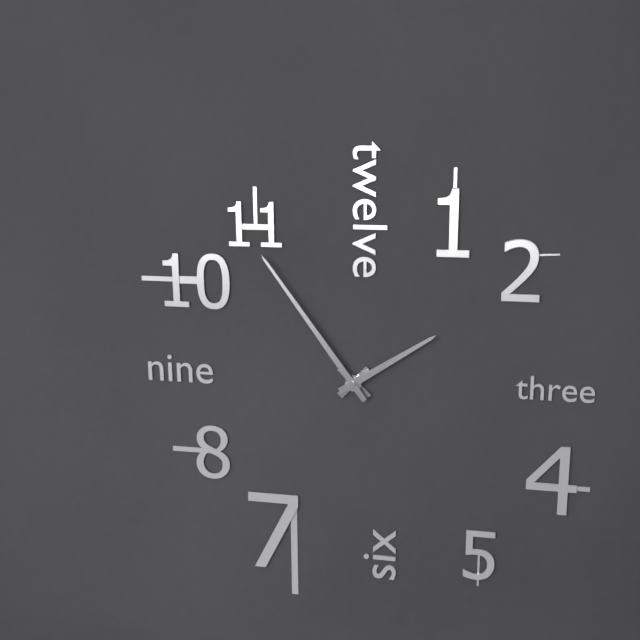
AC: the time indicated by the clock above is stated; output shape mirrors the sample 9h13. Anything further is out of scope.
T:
1h54
